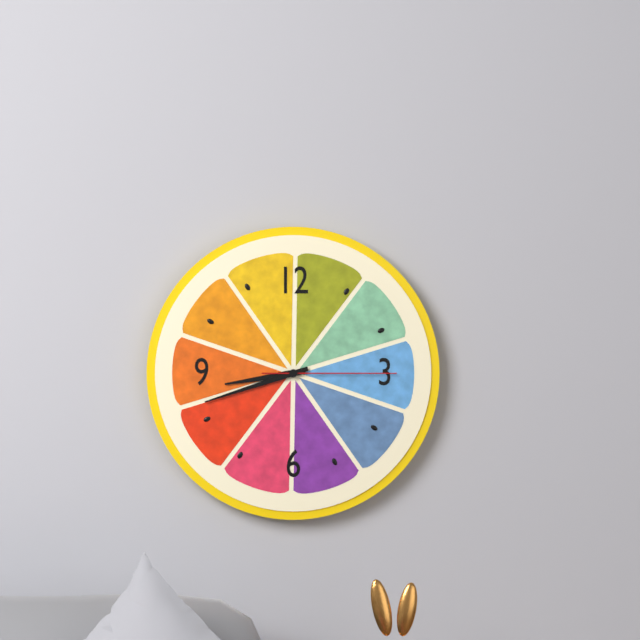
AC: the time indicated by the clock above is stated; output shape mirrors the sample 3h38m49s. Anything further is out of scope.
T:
8h42m15s
